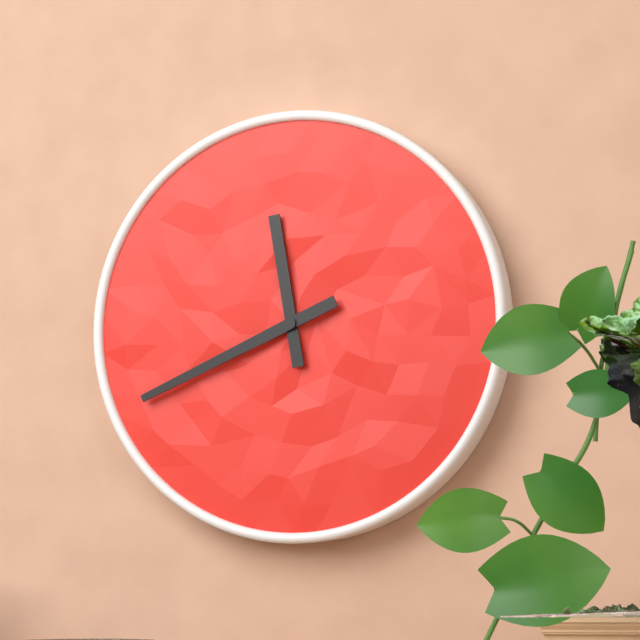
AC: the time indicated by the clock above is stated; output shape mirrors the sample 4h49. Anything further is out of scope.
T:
11h41
